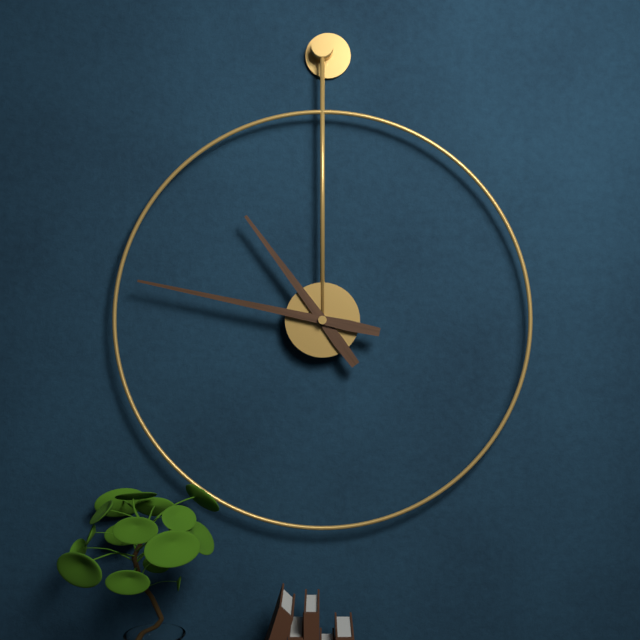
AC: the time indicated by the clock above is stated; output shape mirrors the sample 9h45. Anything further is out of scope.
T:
10h47
